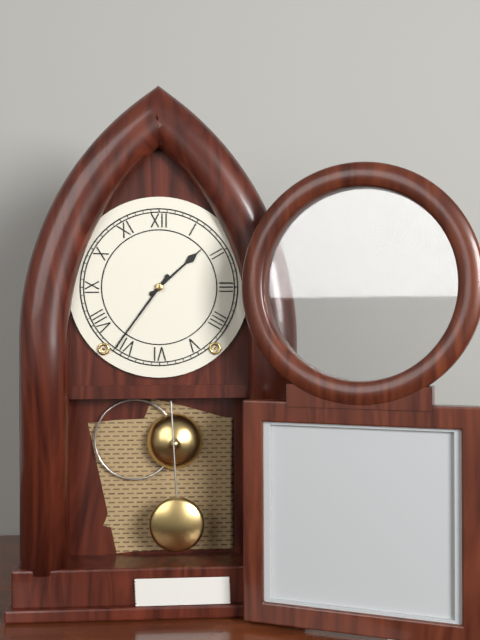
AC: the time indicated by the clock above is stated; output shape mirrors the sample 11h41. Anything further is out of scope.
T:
1h36
